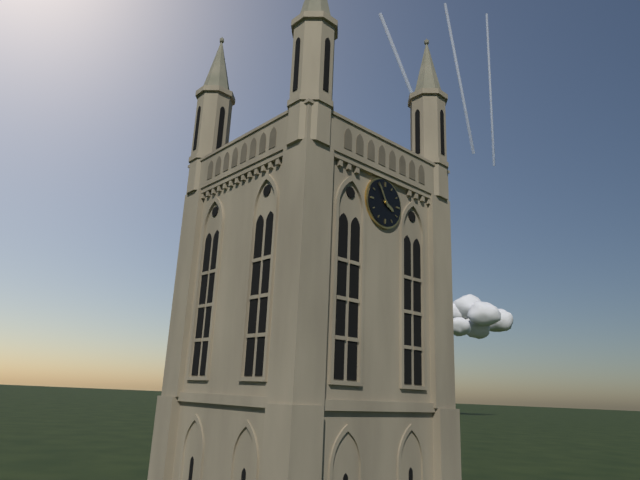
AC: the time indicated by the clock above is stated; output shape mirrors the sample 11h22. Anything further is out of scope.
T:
3h55
